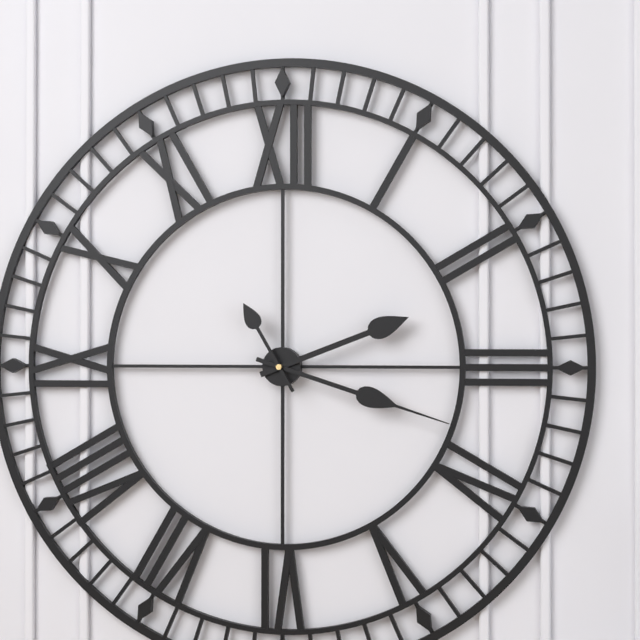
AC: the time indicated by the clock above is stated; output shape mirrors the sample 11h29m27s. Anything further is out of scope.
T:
2h18m55s
